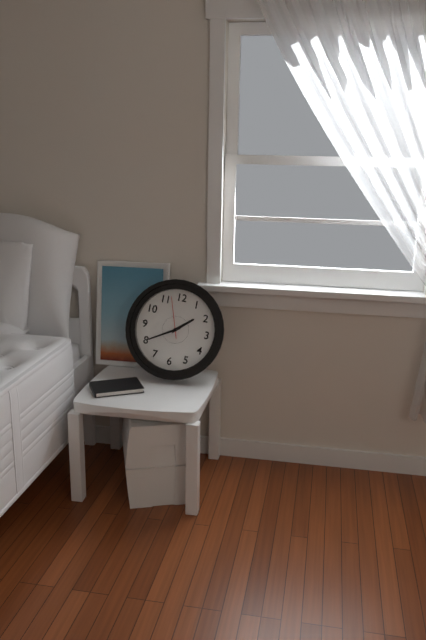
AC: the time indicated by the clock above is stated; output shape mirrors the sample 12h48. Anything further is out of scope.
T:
1h40
